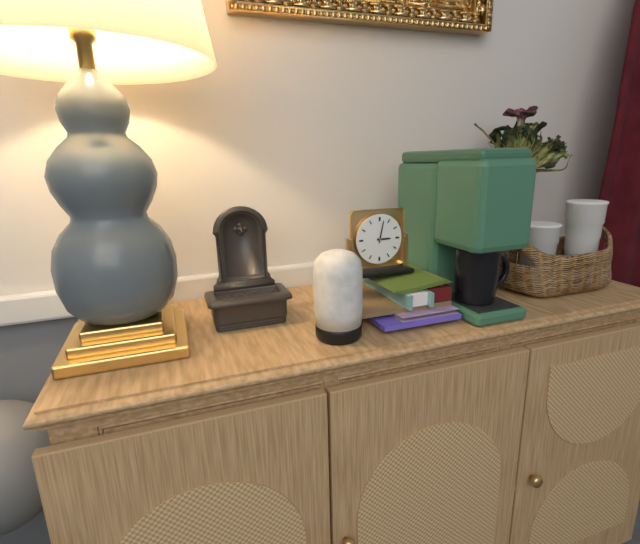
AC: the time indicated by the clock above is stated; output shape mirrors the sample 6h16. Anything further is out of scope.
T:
3h02
